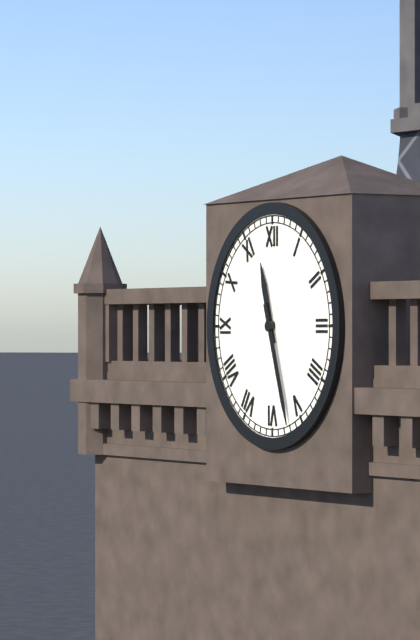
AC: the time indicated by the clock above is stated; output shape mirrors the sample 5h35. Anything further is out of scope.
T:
11h27
